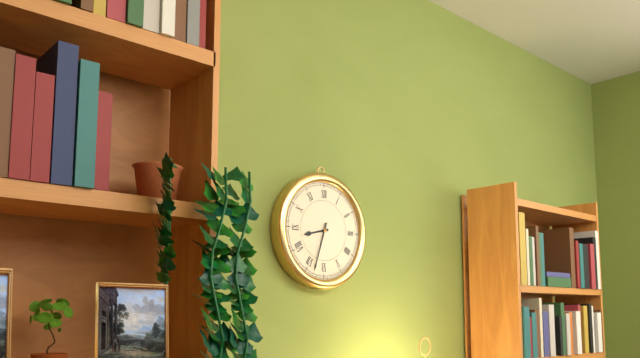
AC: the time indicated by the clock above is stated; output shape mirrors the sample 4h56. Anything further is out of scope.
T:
8h33
